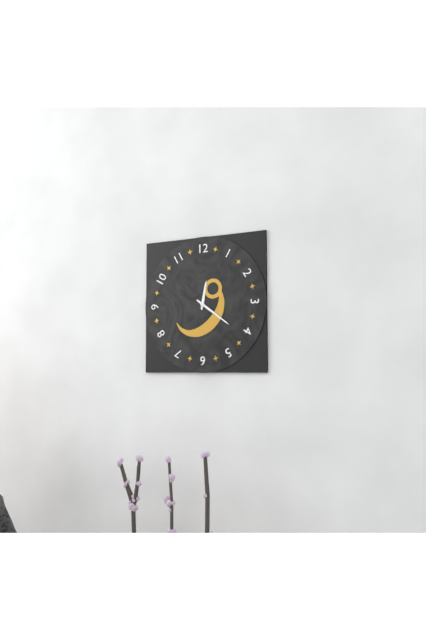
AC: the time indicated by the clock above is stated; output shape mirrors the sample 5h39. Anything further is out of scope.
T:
12h21
